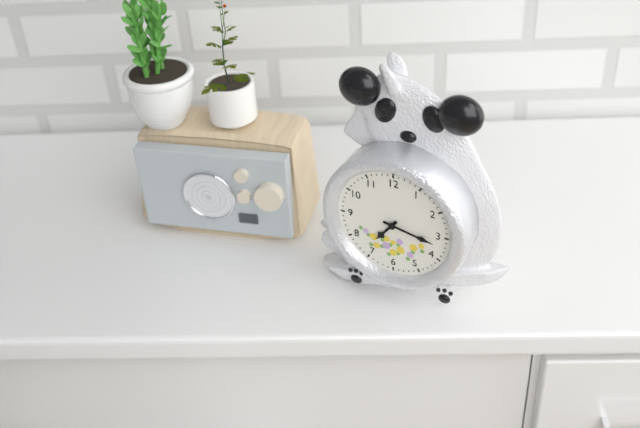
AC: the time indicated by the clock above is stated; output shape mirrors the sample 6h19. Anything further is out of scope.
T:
7h17
